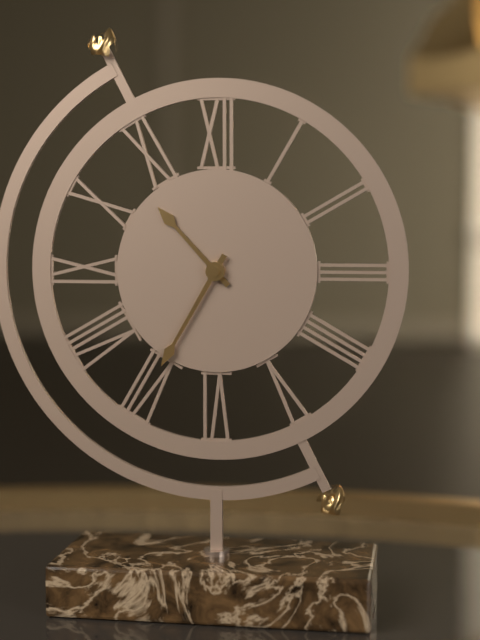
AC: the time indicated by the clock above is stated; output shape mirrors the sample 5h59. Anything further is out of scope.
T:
10h35
